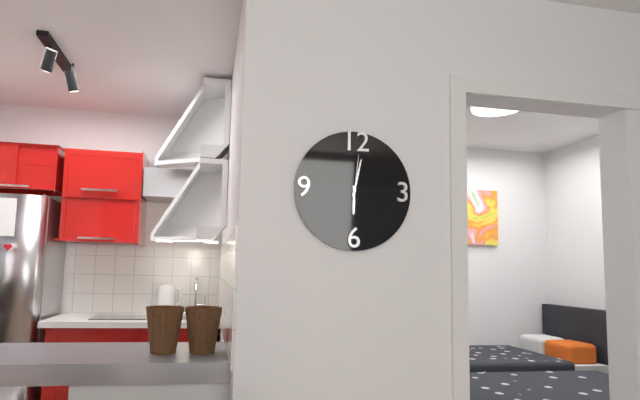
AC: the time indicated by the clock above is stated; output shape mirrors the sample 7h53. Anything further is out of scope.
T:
6h02
